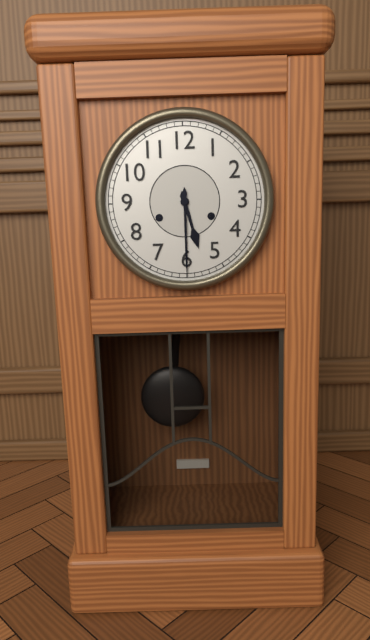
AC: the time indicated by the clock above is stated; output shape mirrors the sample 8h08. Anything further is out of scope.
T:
5h30
